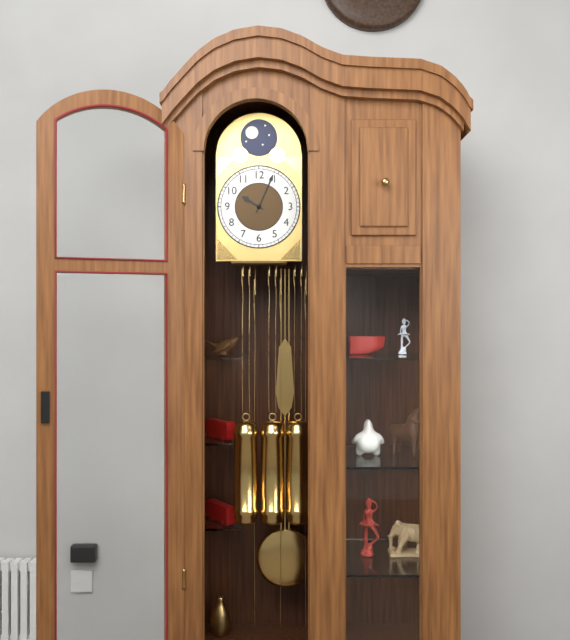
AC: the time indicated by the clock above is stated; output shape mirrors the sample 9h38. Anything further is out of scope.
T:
10h04
